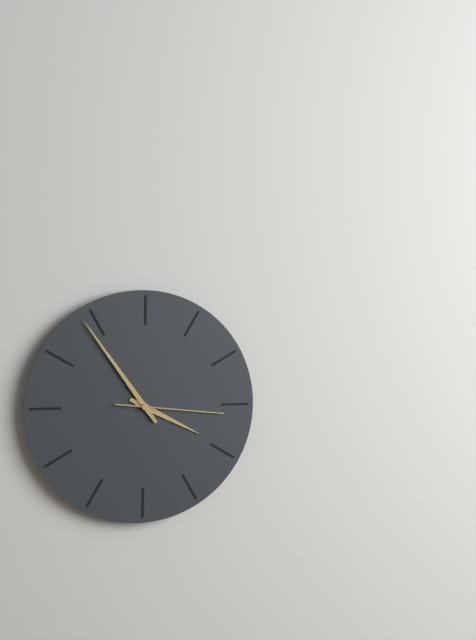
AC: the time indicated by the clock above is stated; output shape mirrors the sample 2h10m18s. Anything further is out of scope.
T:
3h54m16s
